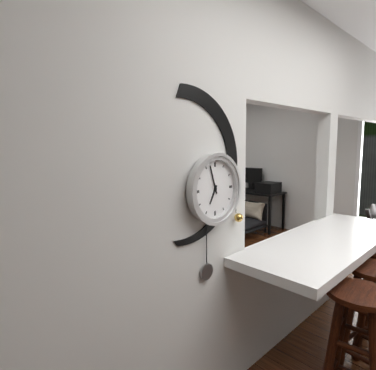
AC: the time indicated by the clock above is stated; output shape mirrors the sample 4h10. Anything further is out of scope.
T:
6h57
